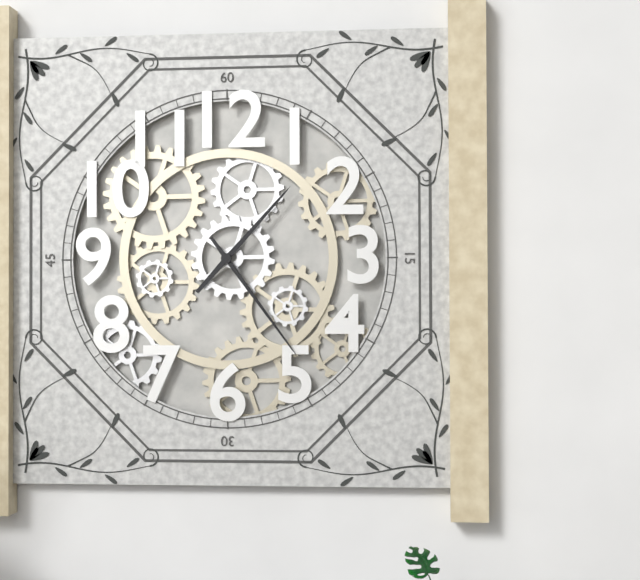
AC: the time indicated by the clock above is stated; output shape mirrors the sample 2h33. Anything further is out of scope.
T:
1h24
